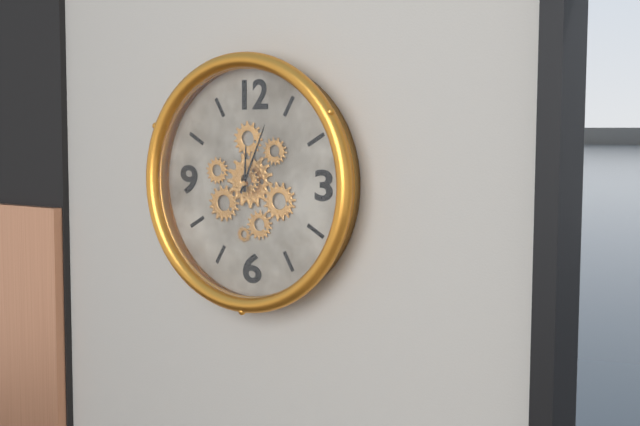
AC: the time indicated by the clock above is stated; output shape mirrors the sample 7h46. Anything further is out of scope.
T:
12h04
